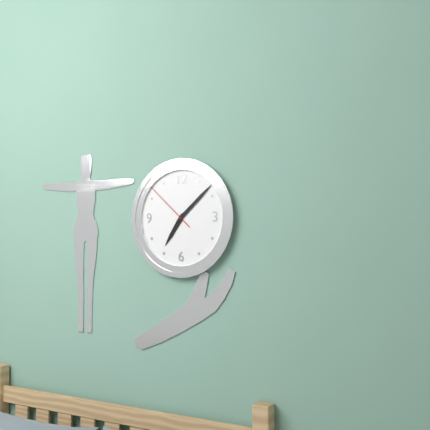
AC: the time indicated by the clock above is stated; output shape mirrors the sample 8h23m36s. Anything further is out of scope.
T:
7h08m52s
